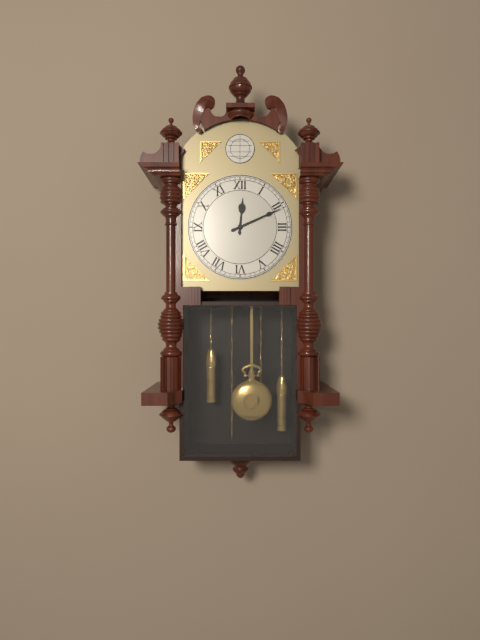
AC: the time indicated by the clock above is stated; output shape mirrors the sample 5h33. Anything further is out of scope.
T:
12h11
